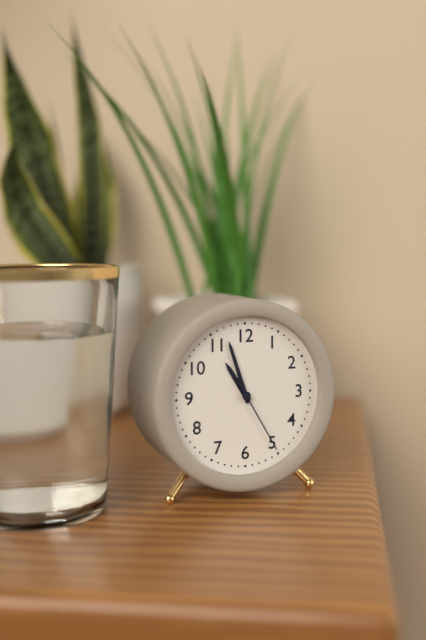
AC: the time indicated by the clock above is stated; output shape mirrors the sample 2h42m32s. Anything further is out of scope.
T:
10h57m25s
